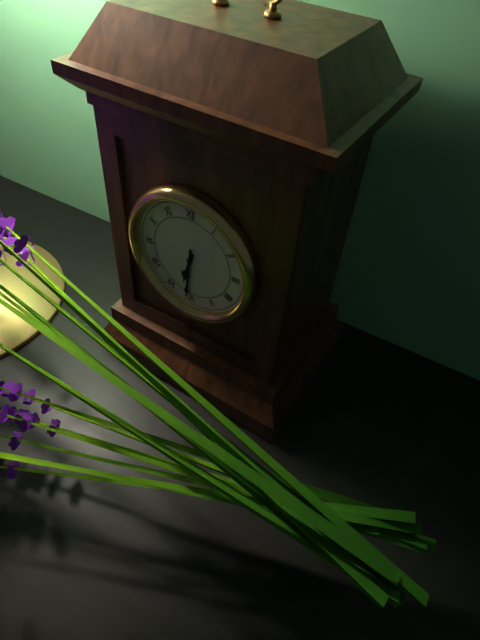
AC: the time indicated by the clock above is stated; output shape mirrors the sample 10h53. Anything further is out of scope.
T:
6h31
